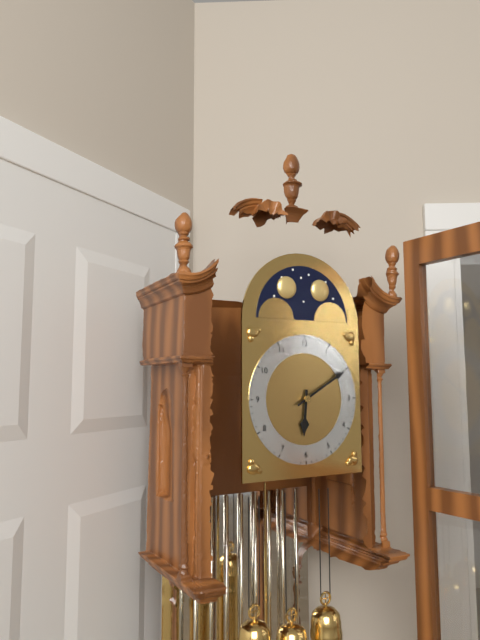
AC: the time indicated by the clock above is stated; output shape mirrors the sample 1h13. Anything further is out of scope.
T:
6h10
